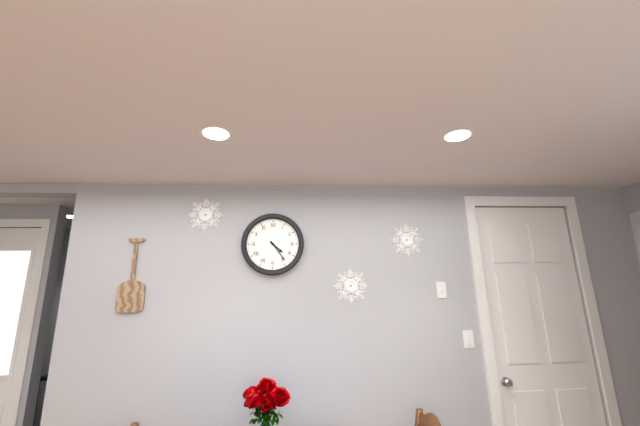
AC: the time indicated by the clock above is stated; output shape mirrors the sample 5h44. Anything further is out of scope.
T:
4h24
